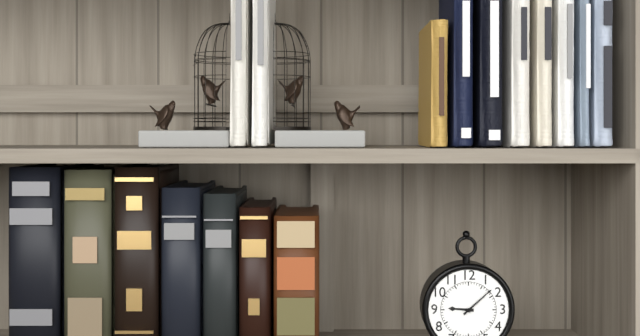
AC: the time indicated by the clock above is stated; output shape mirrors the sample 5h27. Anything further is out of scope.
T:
9h08
